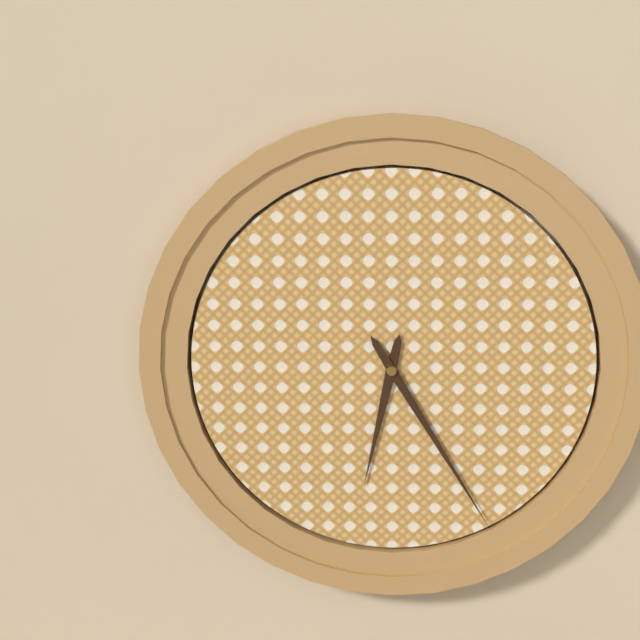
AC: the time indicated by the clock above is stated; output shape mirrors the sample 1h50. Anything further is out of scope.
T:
6h25
